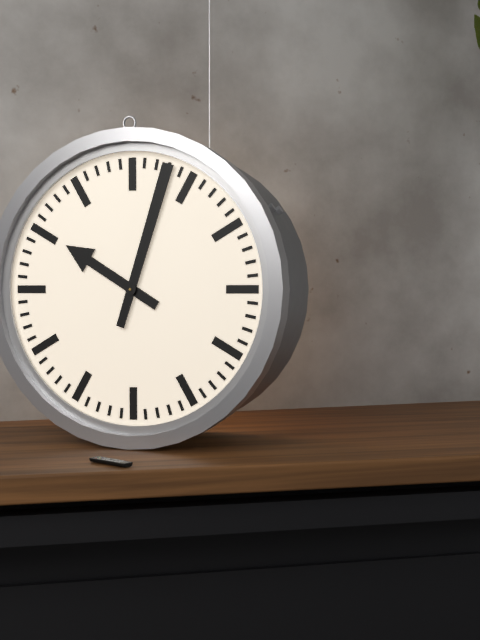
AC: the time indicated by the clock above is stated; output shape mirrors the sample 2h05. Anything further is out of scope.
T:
10h03
